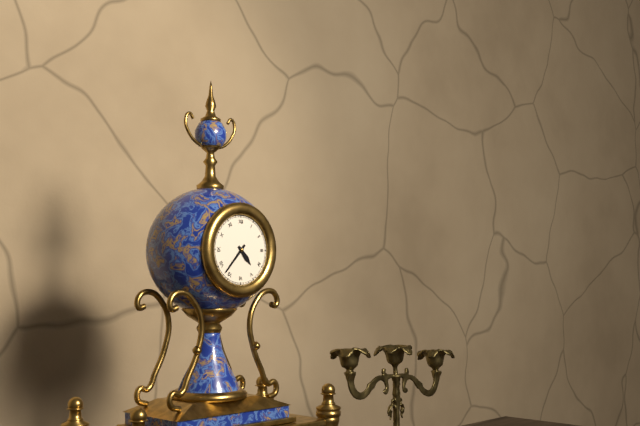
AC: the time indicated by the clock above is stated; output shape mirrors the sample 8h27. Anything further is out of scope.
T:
4h37
